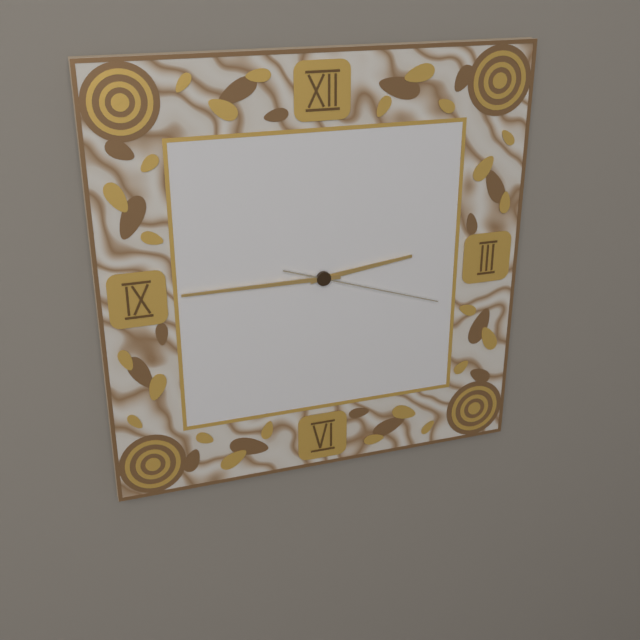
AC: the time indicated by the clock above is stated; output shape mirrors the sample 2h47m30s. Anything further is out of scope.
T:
2h45m18s
